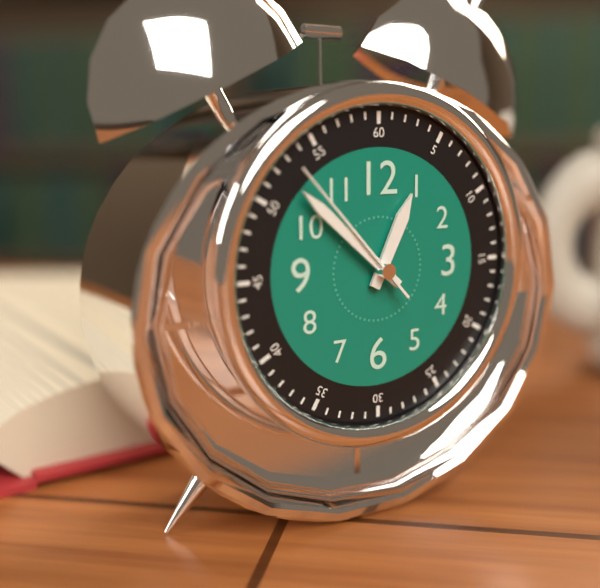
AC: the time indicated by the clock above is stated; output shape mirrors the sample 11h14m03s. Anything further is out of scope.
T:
12h52m53s
